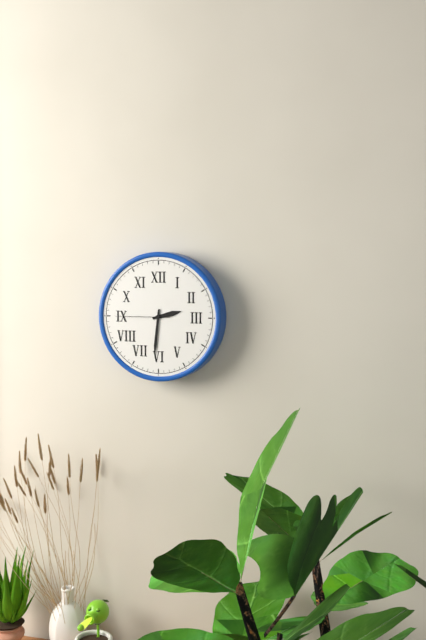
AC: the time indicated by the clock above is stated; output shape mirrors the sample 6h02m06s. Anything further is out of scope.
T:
2h31m45s
